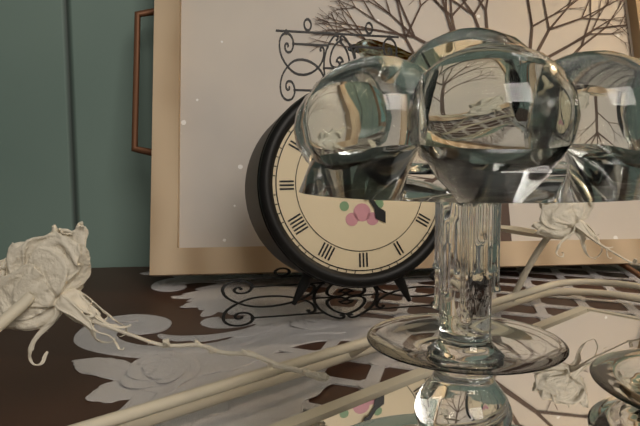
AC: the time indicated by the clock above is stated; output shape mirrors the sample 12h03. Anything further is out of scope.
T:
4h57
